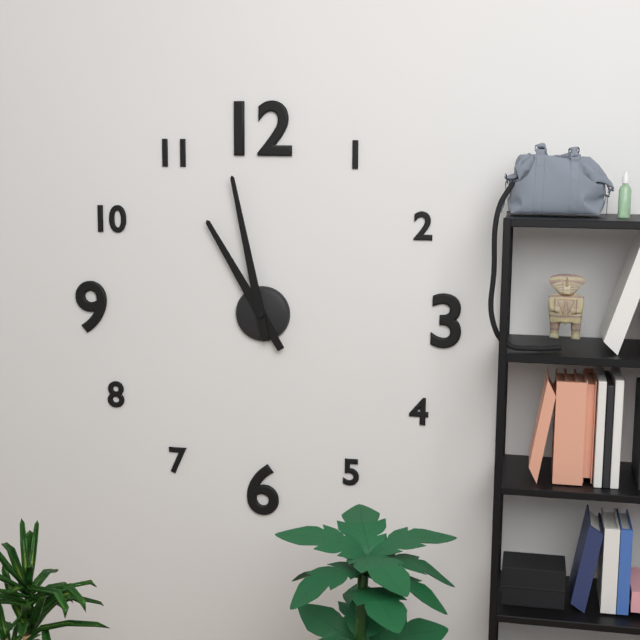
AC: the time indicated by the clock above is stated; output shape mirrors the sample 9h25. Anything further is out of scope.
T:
10h58
